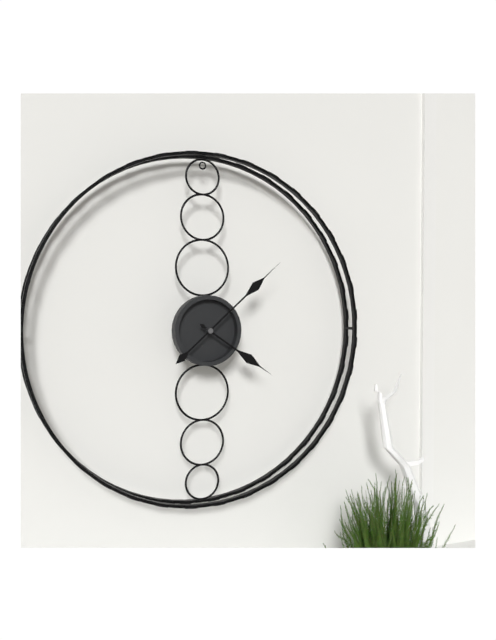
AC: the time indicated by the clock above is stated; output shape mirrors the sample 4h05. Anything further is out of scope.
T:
4h08
